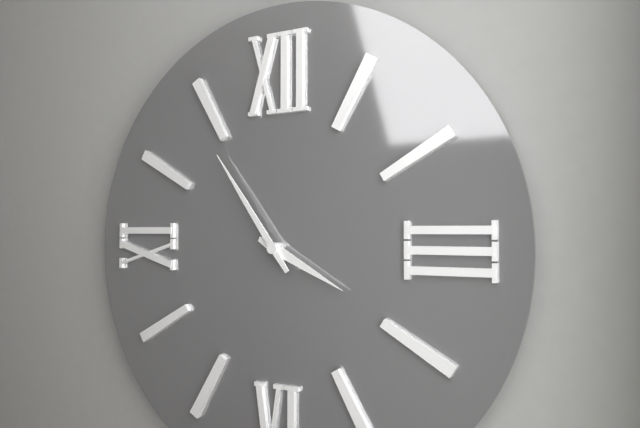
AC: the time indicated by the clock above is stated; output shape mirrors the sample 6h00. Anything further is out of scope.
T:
3h54
